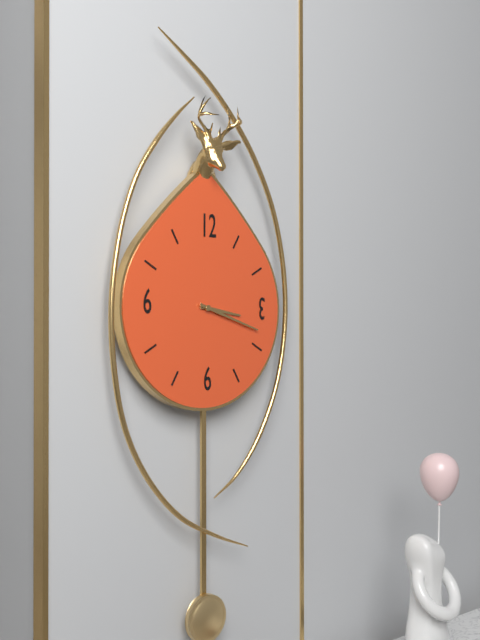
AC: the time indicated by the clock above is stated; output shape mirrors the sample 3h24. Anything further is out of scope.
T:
3h18
